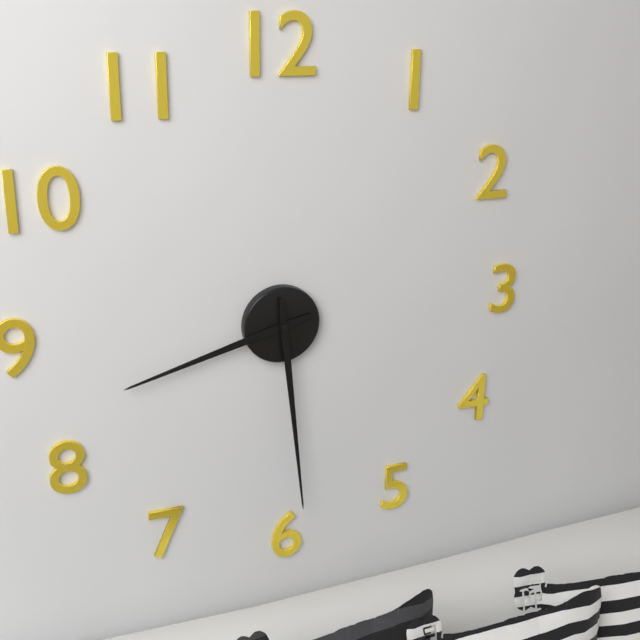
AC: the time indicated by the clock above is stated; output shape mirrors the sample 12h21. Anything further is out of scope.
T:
8h29
